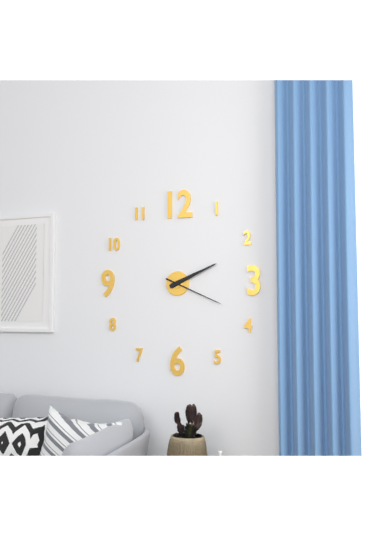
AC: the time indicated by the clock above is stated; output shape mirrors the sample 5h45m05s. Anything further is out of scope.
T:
2h11m19s
